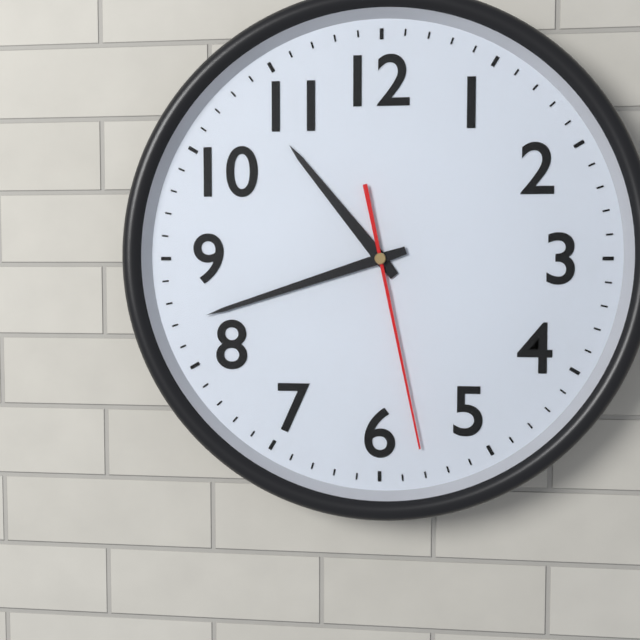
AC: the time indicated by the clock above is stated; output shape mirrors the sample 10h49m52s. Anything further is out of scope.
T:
10h42m28s
